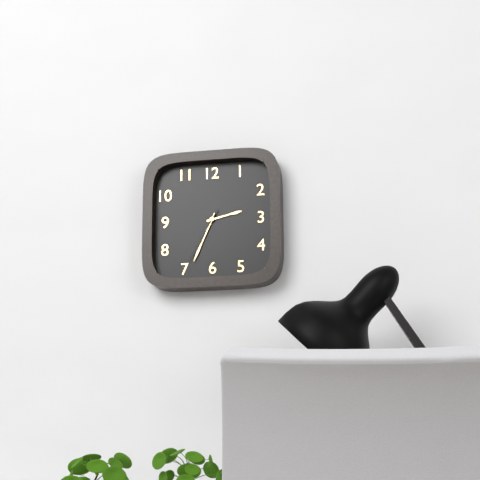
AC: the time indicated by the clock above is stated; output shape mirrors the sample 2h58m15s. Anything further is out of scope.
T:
2h34m35s
